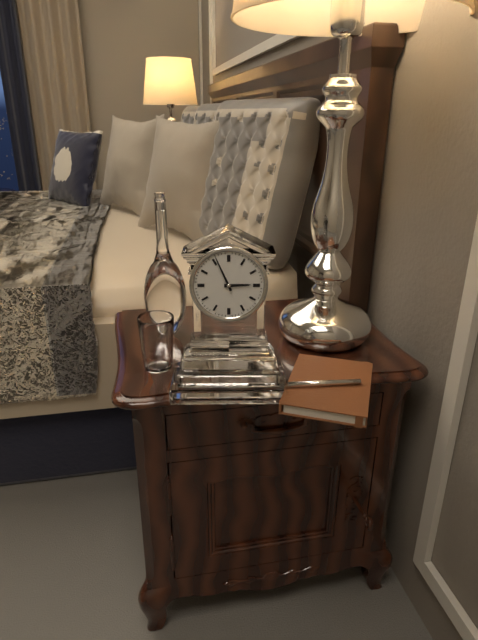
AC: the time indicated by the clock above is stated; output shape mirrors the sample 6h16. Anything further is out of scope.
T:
2h56
